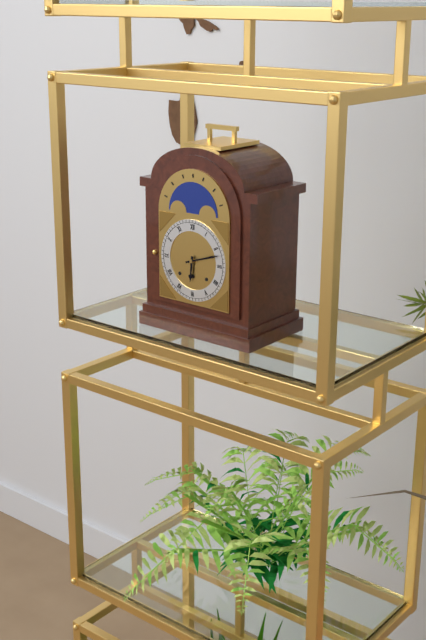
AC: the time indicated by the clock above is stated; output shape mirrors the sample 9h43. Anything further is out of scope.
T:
6h12
